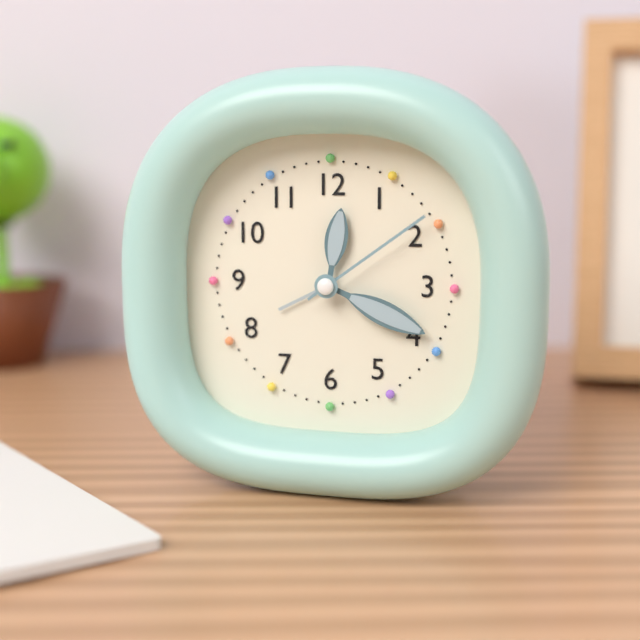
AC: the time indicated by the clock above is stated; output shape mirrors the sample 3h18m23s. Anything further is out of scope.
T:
12h19m09s
